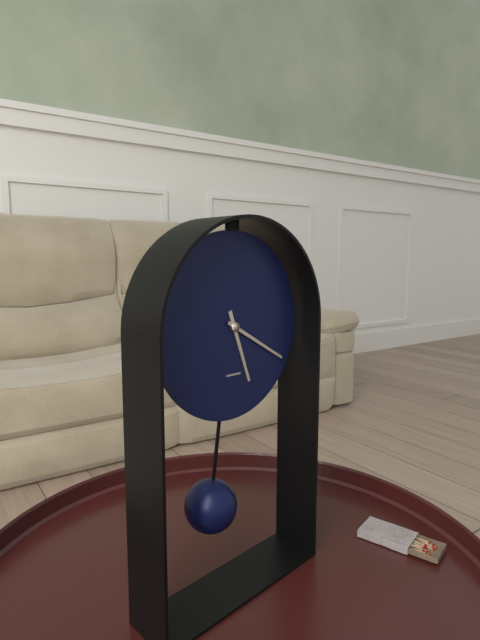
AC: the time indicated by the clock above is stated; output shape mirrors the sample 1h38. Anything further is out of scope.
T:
5h20
